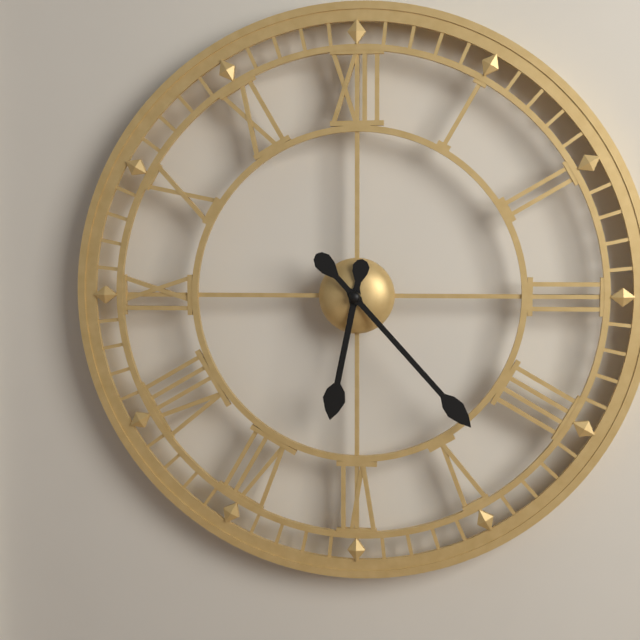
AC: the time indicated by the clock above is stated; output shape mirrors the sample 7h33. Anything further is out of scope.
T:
6h23
